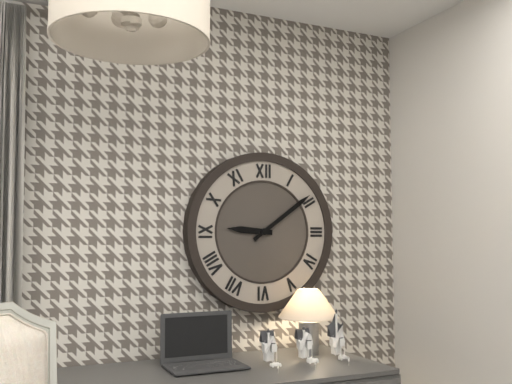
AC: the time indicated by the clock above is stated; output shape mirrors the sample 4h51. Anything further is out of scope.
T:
9h09
